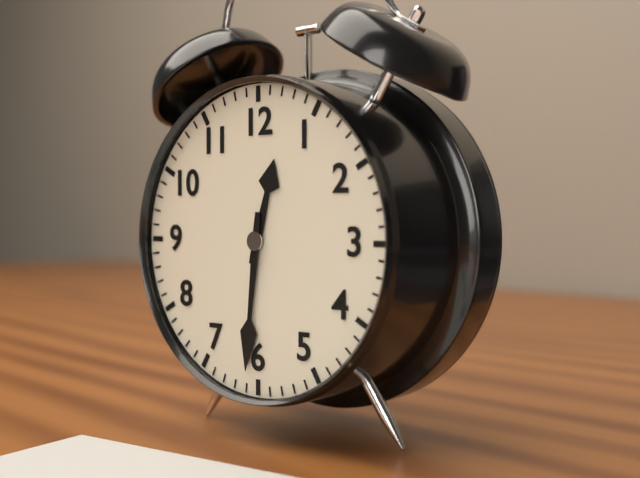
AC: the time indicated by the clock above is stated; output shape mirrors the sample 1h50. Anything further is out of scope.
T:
12h31
